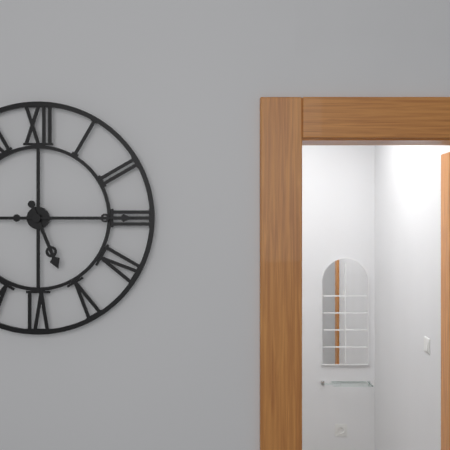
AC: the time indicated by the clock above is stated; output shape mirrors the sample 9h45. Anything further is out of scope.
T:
5h15
